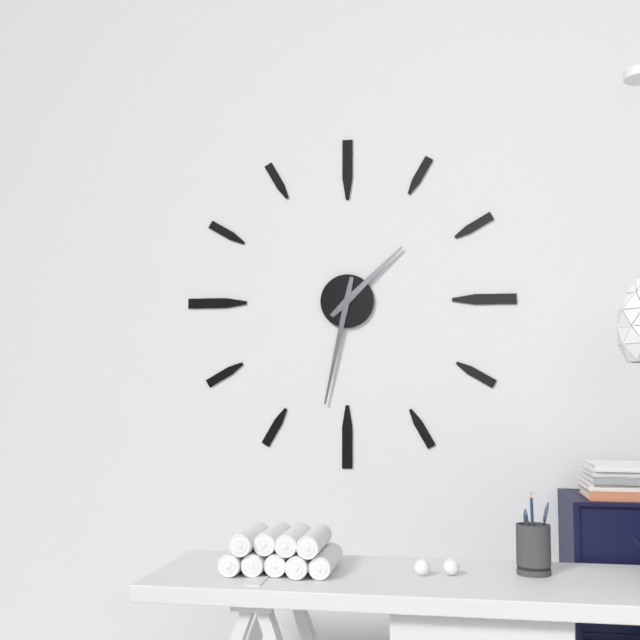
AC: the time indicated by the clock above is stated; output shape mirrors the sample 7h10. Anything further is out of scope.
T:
1h32
